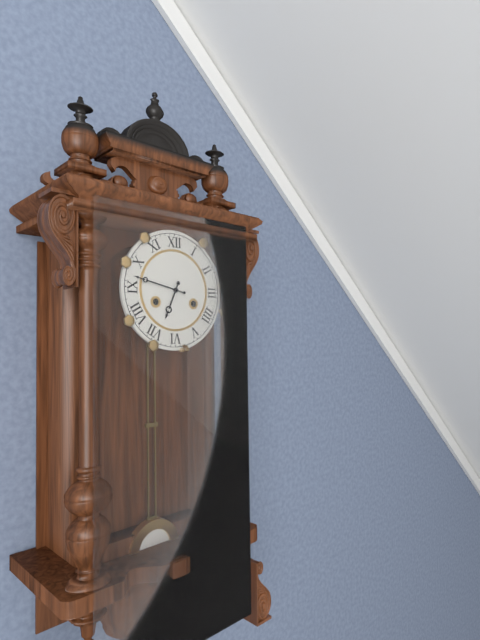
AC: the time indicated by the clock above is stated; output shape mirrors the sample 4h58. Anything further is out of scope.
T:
6h47
